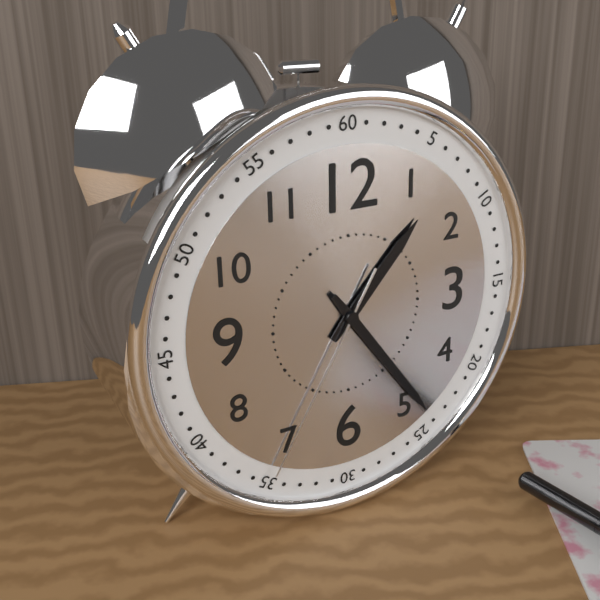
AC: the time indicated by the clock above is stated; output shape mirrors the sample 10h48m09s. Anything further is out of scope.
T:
1h24m35s
